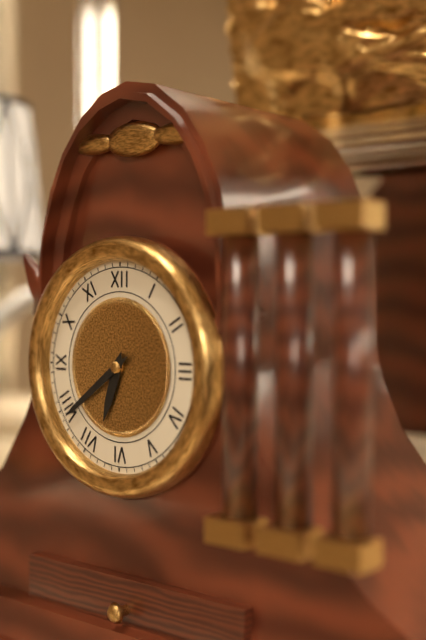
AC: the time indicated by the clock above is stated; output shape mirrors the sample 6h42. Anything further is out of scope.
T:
6h39
